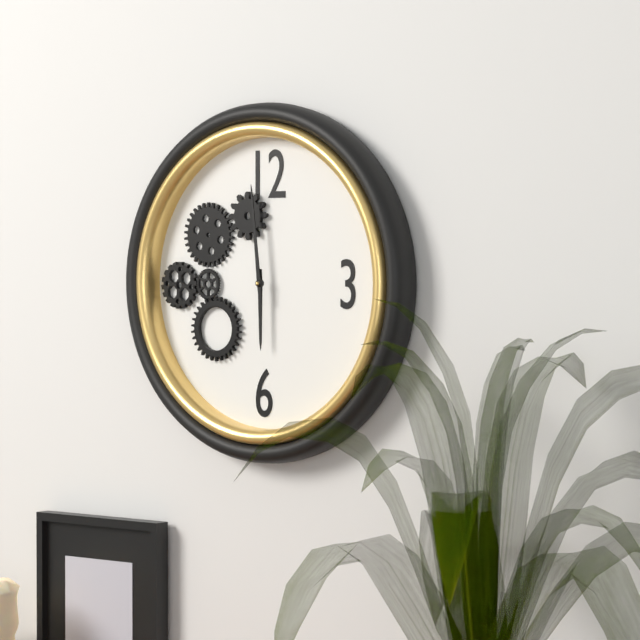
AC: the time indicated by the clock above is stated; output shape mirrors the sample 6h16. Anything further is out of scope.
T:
5h59
